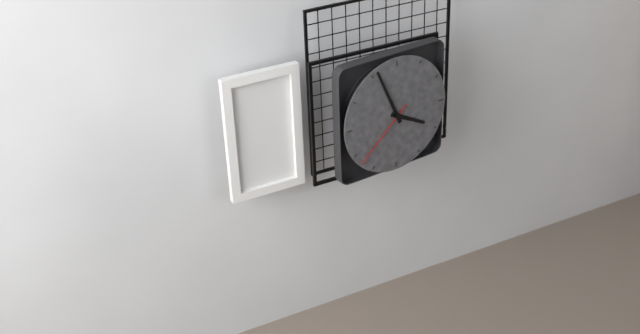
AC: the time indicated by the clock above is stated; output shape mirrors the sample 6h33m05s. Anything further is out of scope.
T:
3h56m38s
